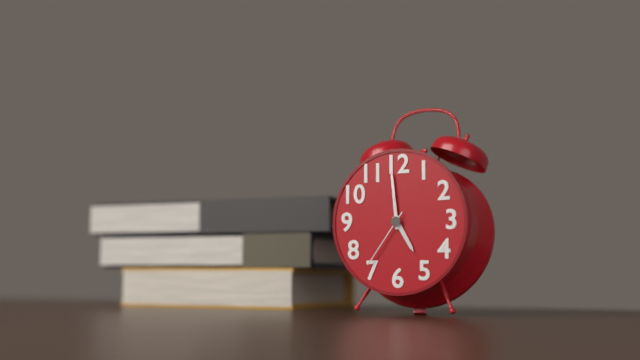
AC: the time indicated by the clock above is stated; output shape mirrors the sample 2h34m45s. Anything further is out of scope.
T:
4h59m36s
